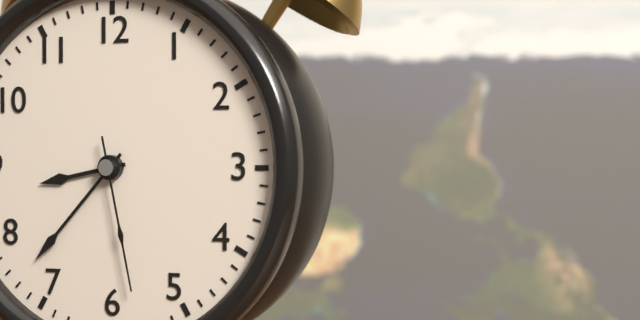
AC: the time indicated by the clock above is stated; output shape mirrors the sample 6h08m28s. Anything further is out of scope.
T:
8h37m28s
